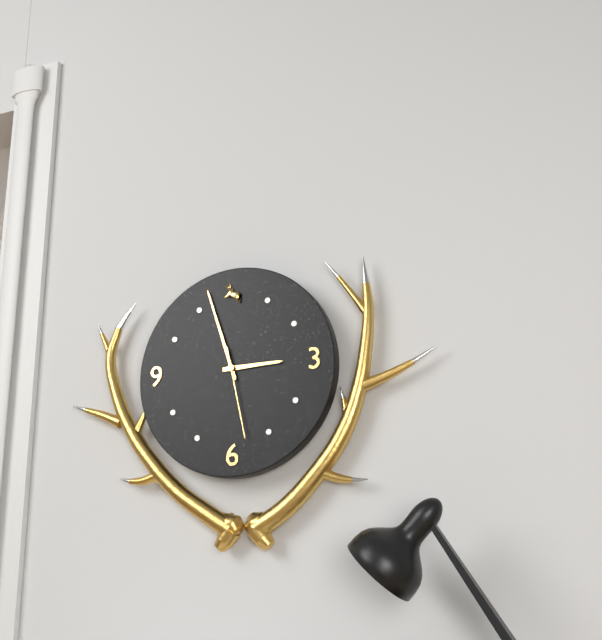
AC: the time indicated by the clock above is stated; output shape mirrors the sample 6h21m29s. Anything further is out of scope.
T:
2h57m28s
